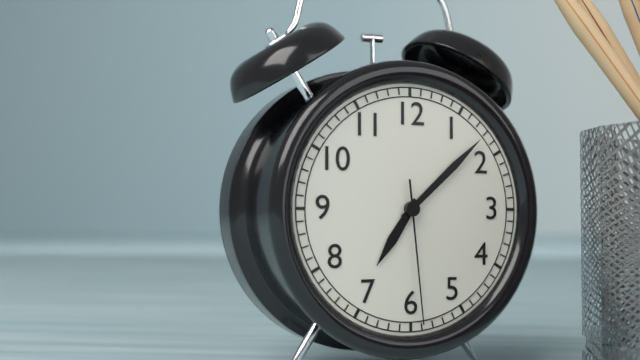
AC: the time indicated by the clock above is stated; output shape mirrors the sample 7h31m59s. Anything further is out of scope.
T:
7h08m29s
